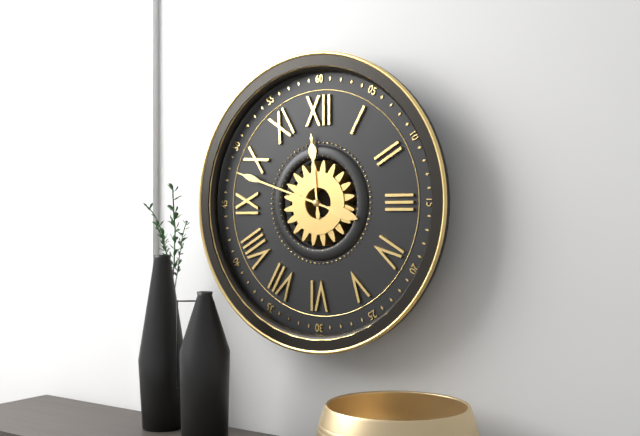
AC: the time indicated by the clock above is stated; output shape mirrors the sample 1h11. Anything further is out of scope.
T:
11h48
